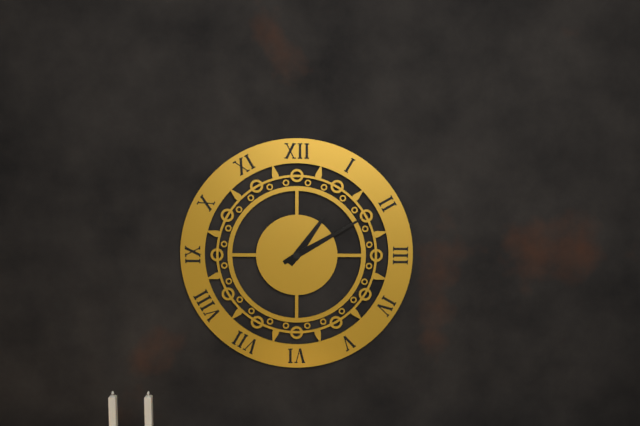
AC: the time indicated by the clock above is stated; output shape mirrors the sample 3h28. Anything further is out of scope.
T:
1h10
